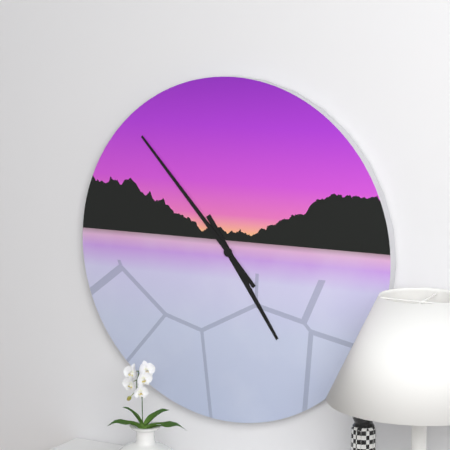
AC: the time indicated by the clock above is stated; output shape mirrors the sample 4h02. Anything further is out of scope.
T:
4h53
